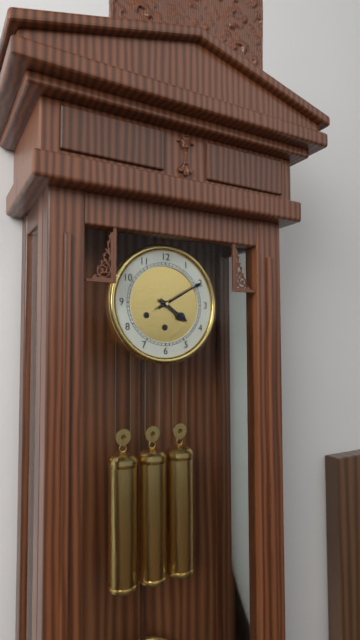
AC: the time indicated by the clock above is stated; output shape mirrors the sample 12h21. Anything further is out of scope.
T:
4h10
